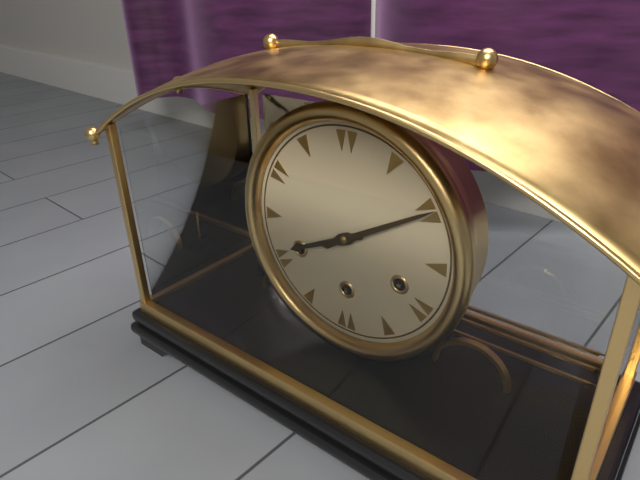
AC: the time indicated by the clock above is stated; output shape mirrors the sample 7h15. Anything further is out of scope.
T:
8h10
